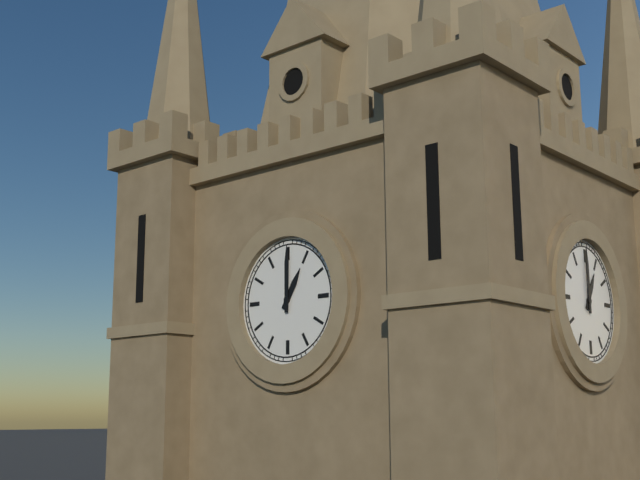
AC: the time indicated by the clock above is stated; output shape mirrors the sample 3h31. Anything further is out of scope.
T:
1h00
